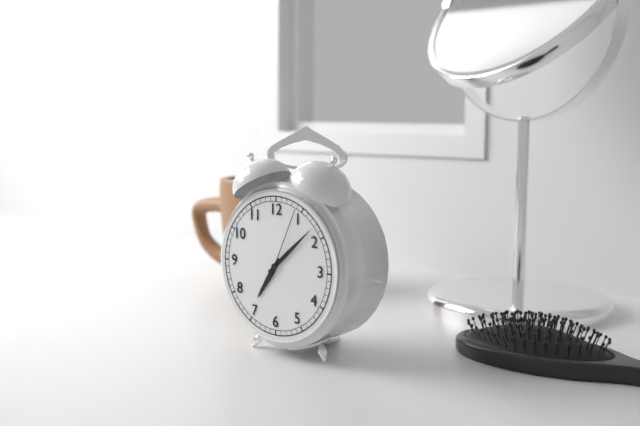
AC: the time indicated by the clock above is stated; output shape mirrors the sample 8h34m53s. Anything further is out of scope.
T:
7h08m04s
